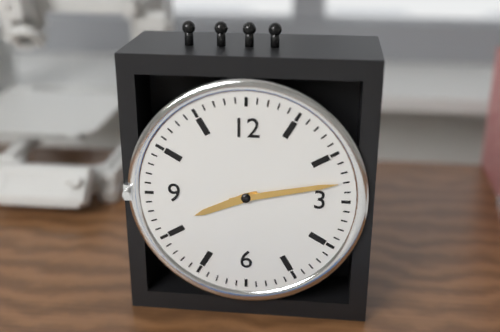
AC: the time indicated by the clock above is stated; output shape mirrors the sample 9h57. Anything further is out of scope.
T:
8h13
